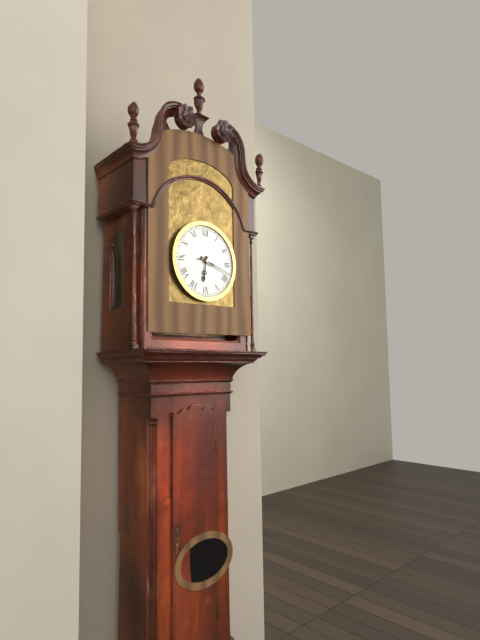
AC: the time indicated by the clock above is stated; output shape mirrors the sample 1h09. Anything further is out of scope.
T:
6h18
